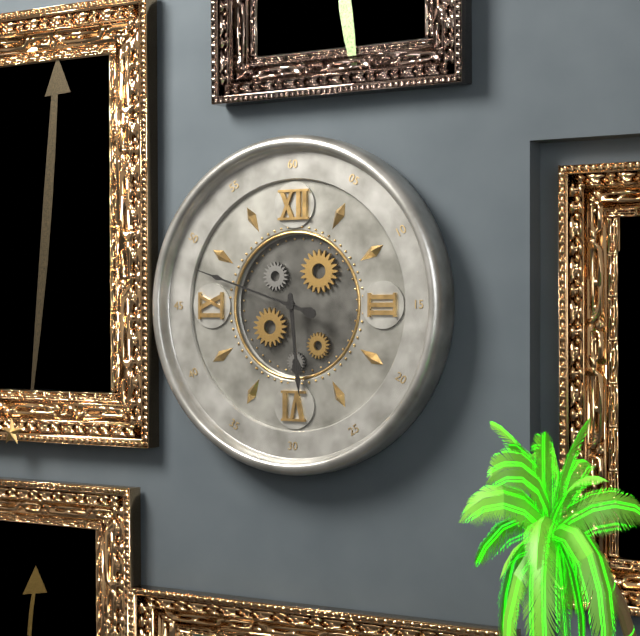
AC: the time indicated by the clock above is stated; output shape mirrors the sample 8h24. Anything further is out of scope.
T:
5h48
